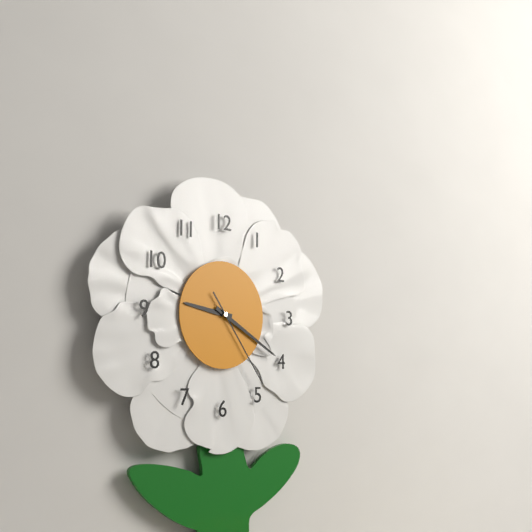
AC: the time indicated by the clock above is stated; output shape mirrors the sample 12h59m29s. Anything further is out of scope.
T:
9h20m24s
